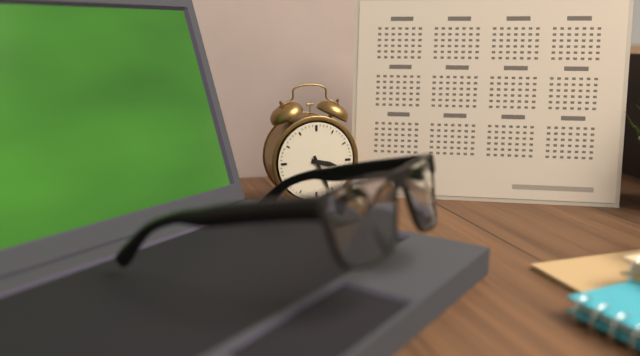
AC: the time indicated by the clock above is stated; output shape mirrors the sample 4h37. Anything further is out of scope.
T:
3h26
